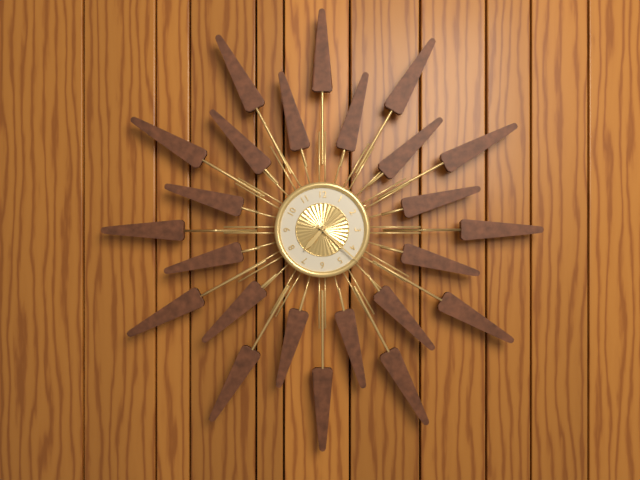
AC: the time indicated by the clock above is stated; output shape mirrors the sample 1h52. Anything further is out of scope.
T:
7h22
